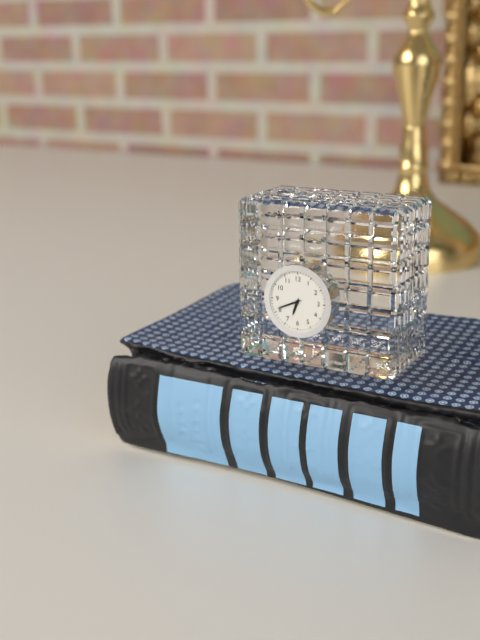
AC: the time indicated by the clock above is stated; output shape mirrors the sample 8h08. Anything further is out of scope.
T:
6h41
